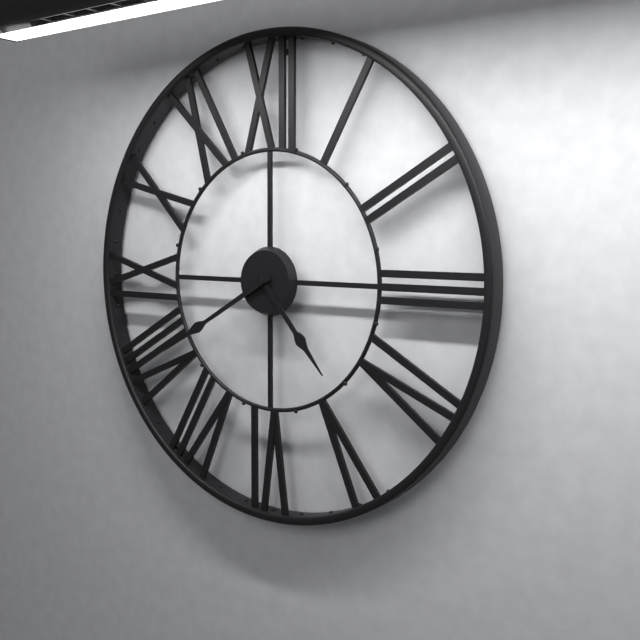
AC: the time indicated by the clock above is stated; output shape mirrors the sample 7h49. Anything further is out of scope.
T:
4h40
